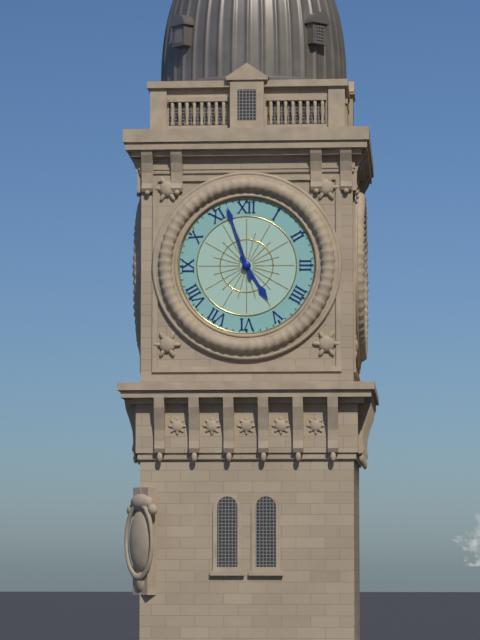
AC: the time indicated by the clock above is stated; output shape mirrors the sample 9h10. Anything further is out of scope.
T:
4h57
